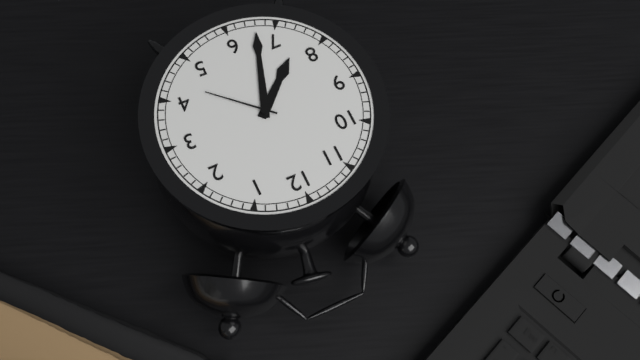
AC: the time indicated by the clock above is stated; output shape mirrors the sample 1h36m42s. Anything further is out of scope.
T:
7h33m22s
